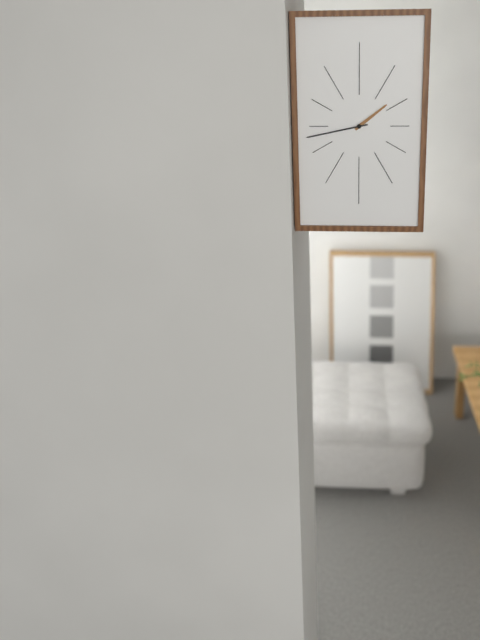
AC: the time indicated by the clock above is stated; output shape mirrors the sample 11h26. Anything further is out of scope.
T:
1h43
